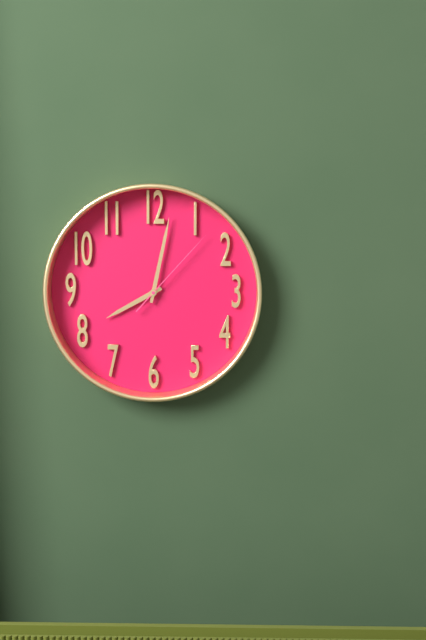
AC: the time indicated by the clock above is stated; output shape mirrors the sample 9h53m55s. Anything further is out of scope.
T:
8h02m07s
